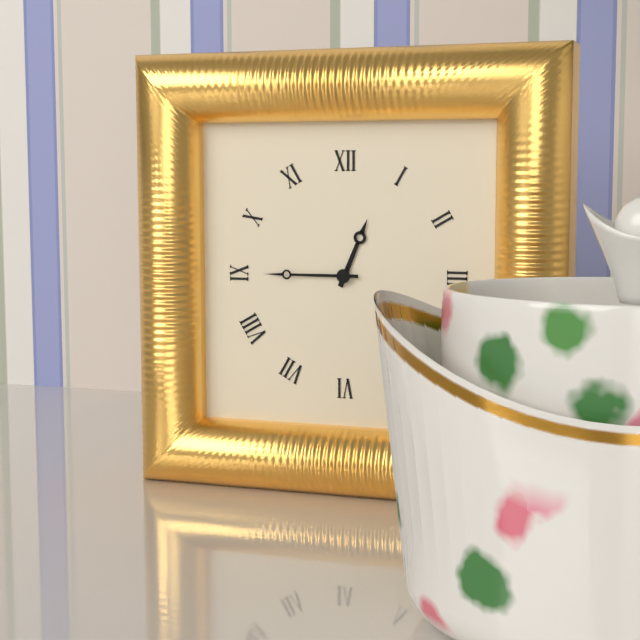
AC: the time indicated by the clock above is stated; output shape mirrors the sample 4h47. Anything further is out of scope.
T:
12h45
